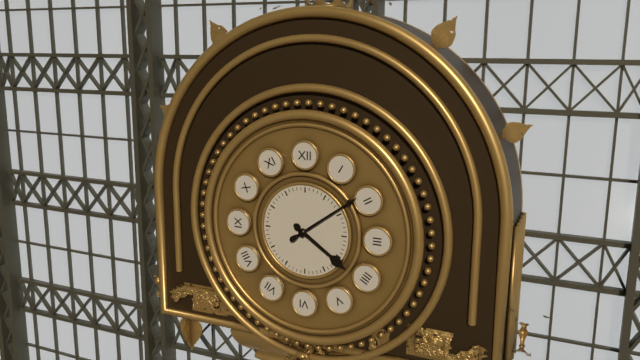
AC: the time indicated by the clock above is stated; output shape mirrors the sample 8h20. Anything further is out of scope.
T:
4h09
